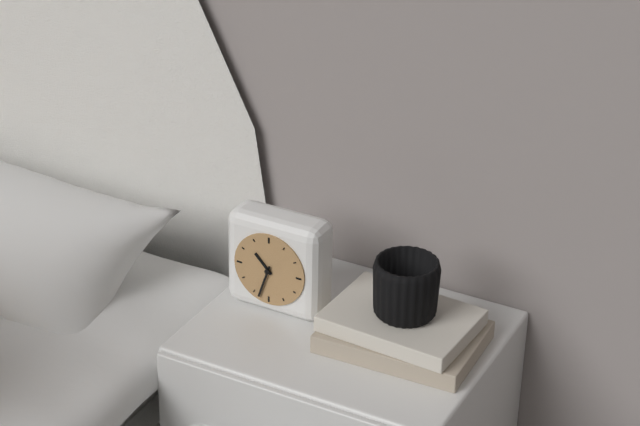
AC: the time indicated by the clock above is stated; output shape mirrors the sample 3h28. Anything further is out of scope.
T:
10h33
